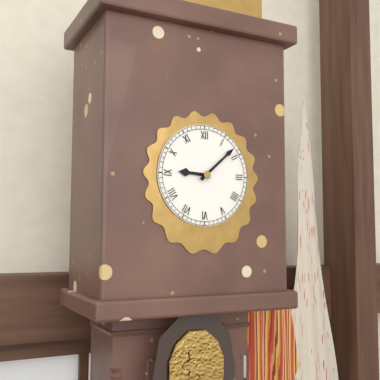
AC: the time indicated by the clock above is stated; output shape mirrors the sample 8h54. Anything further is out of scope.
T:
9h08
